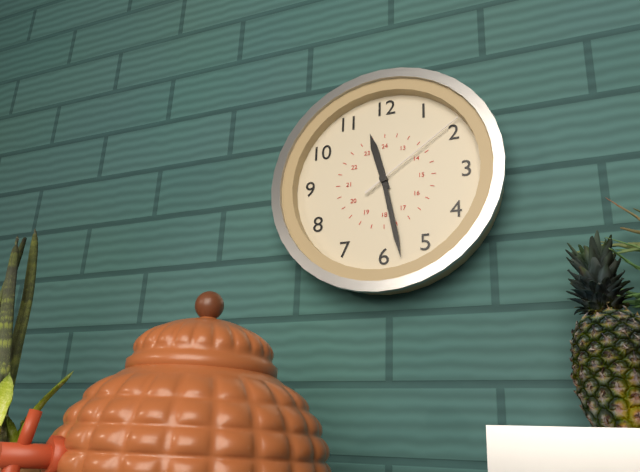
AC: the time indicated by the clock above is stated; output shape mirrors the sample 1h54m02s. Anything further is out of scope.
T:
11h28m09s
